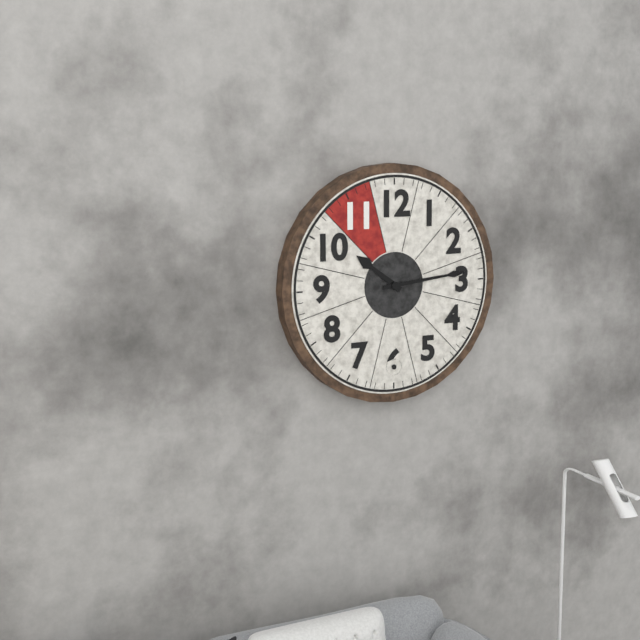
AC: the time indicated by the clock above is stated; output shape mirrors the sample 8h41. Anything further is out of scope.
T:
10h14
